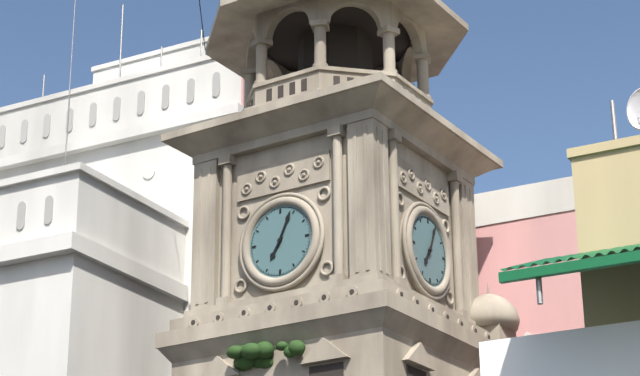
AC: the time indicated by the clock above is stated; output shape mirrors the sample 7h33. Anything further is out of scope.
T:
7h04
